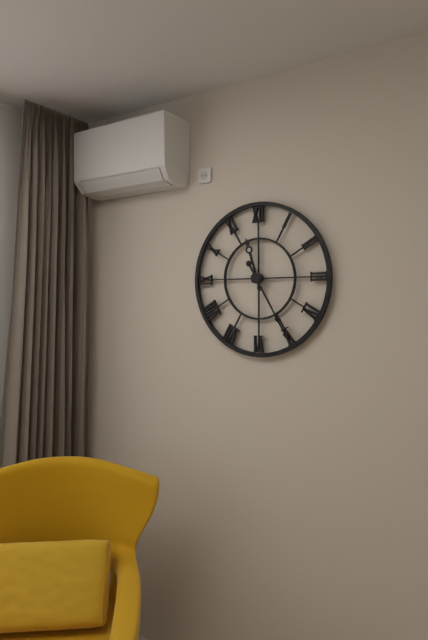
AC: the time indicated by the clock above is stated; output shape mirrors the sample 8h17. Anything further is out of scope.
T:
11h25
